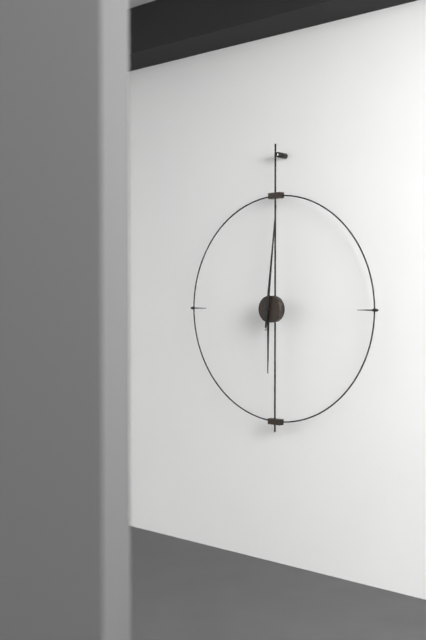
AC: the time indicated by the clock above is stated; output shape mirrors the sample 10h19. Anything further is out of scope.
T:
6h01
